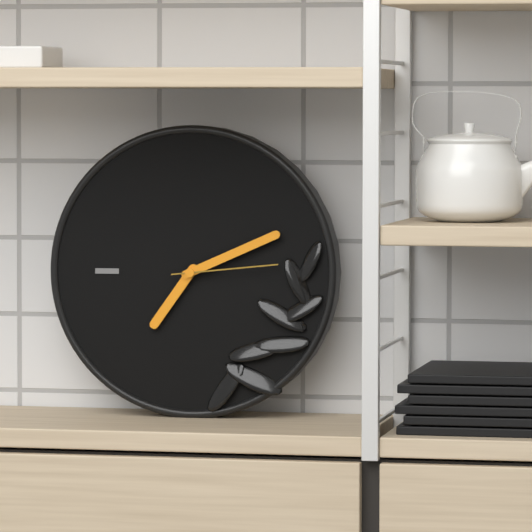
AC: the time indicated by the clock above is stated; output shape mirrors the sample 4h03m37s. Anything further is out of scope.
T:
7h11m14s
